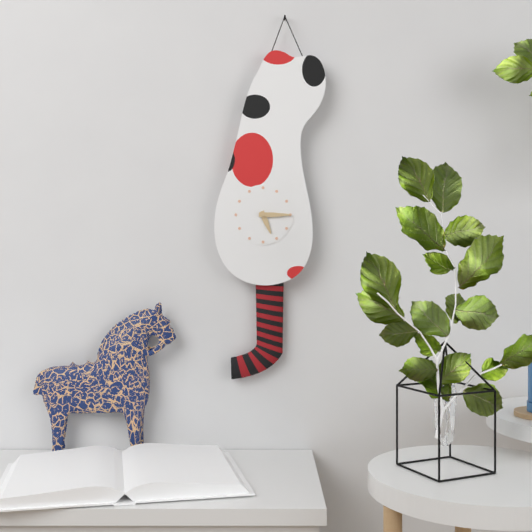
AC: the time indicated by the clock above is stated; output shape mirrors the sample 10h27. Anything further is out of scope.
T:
5h15
